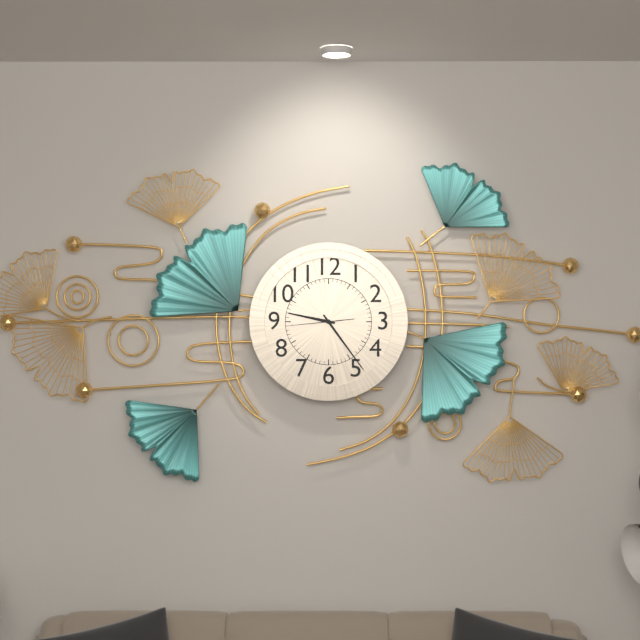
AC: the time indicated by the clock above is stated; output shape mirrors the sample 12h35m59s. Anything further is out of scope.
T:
9h24m44s
